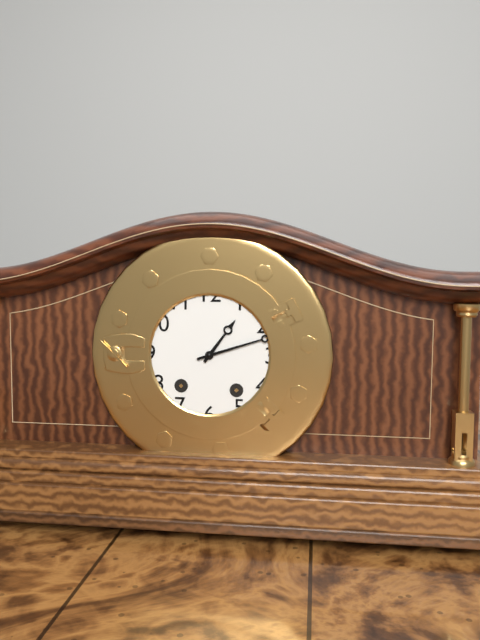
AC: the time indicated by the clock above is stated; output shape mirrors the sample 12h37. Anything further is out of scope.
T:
1h12
